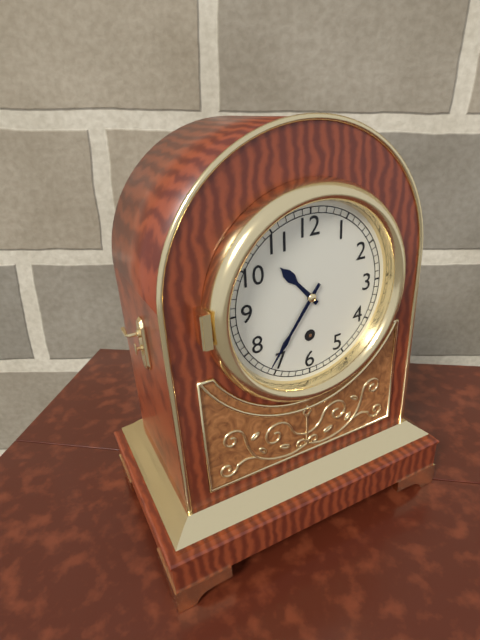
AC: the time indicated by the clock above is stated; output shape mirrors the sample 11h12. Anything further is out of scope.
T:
10h36
